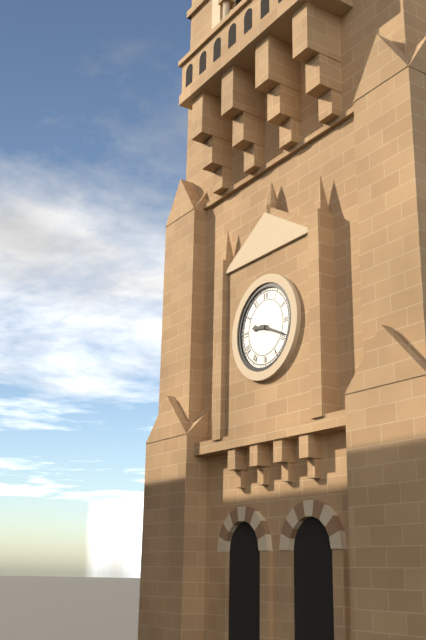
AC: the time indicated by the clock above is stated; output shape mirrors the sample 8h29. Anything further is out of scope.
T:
9h19
